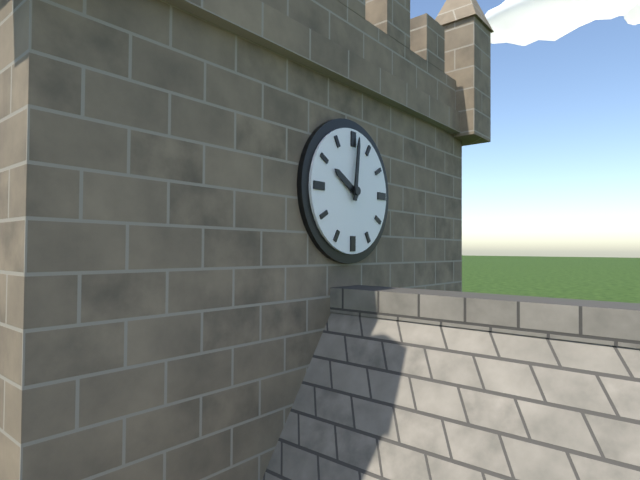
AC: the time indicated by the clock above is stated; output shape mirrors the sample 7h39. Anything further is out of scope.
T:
10h01
